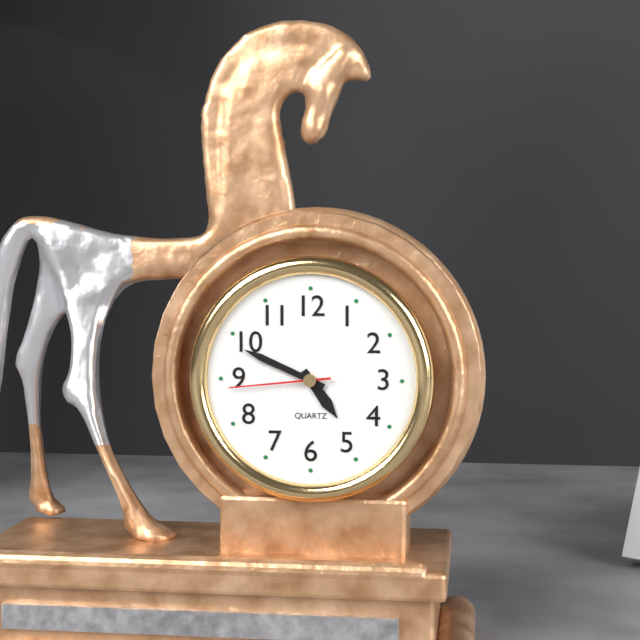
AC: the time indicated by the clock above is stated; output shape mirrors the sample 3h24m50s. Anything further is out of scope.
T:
4h49m44s
